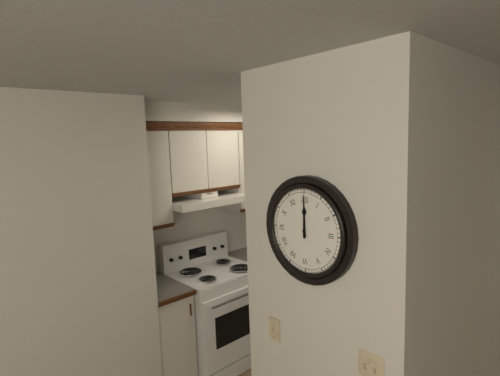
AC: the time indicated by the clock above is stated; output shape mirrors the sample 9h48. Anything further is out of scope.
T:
12h00
